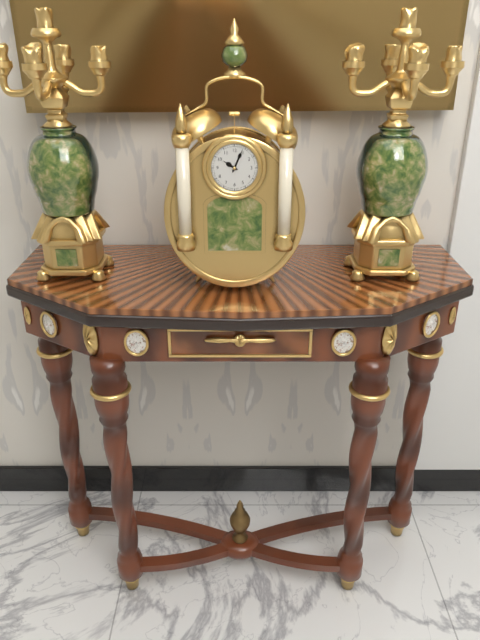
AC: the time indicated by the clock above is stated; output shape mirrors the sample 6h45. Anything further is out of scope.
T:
10h04
